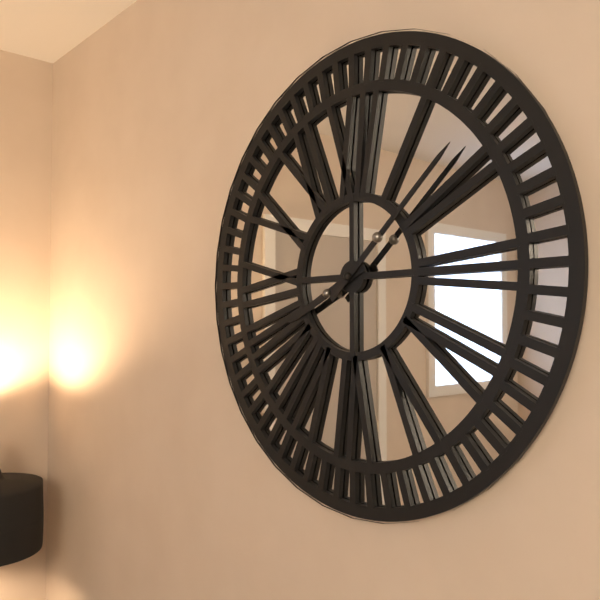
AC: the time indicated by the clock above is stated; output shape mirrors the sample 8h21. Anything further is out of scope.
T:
8h08
